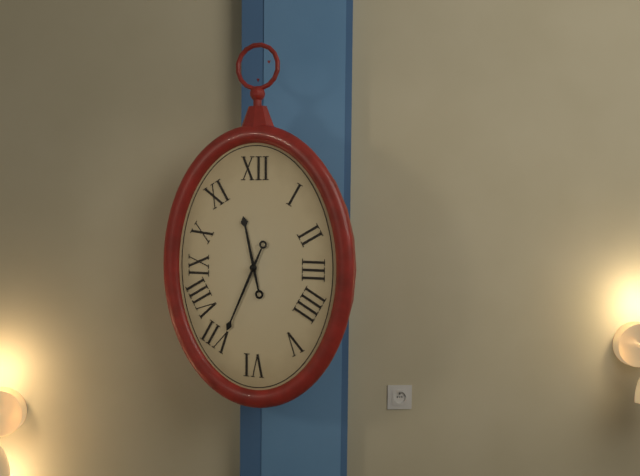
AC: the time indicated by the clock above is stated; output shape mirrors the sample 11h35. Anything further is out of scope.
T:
11h34
